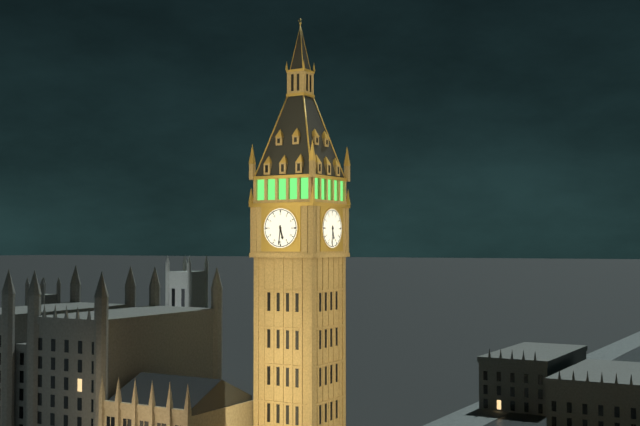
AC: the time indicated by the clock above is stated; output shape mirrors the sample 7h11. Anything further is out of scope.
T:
5h31
